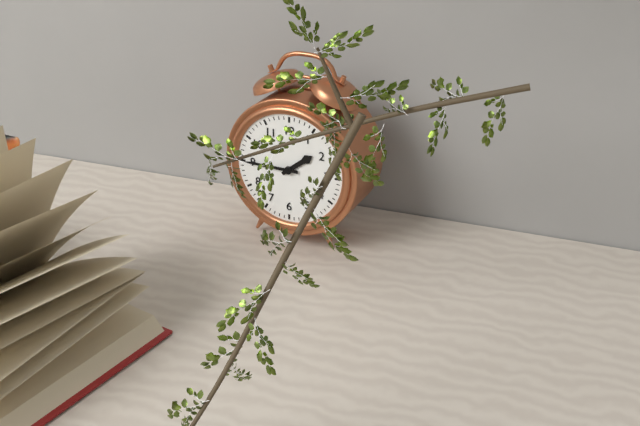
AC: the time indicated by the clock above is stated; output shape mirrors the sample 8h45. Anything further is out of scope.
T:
1h45
